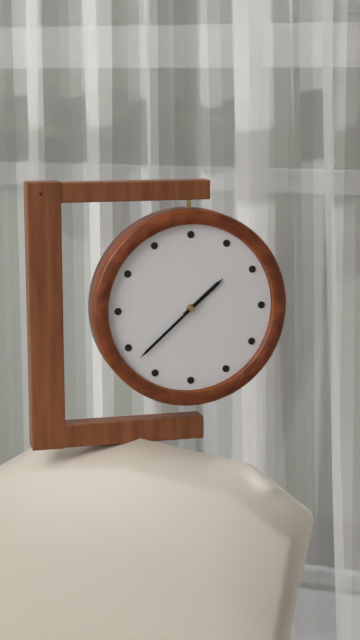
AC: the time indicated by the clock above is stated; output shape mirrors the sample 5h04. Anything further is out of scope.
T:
1h38
